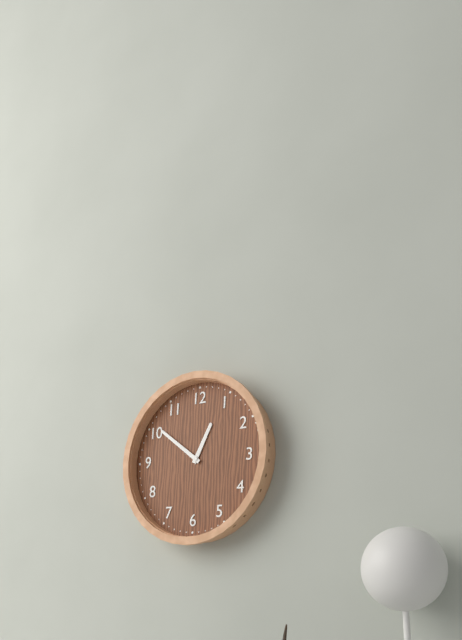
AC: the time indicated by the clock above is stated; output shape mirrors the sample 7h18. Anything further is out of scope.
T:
12h51
